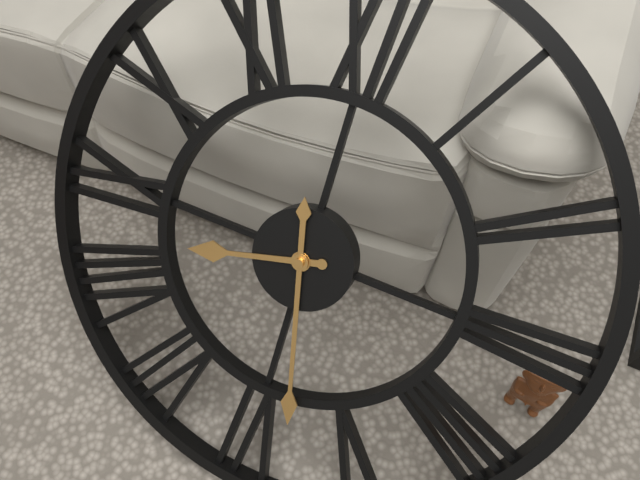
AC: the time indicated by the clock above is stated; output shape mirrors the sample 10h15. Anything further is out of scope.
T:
8h28
